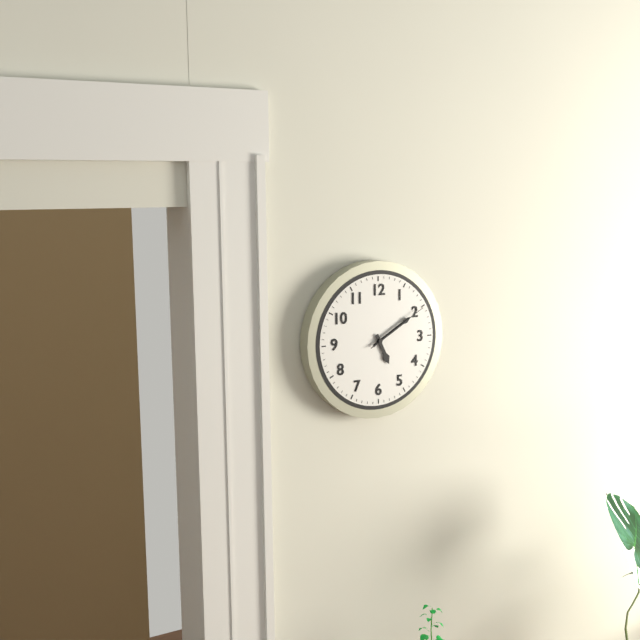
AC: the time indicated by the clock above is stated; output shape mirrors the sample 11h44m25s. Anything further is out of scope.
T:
5h10m10s
